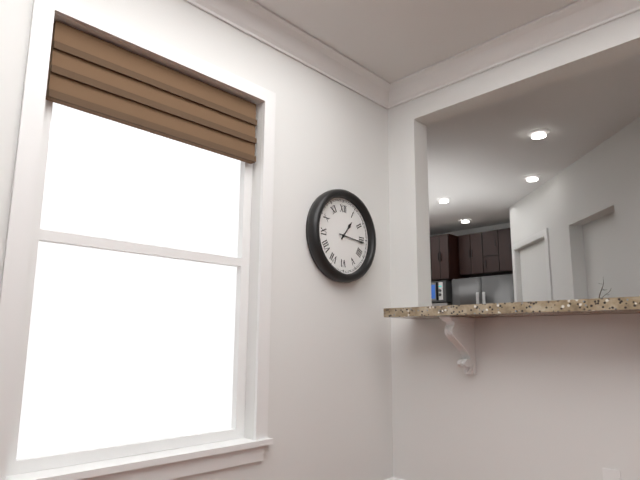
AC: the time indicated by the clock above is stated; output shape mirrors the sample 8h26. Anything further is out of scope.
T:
1h16
